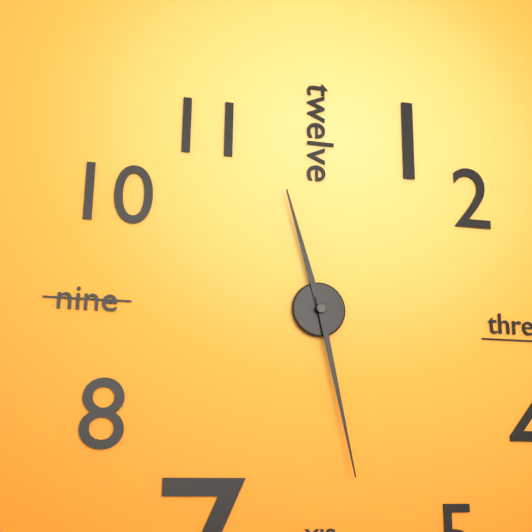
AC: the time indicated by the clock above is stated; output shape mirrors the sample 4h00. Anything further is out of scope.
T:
11h28
